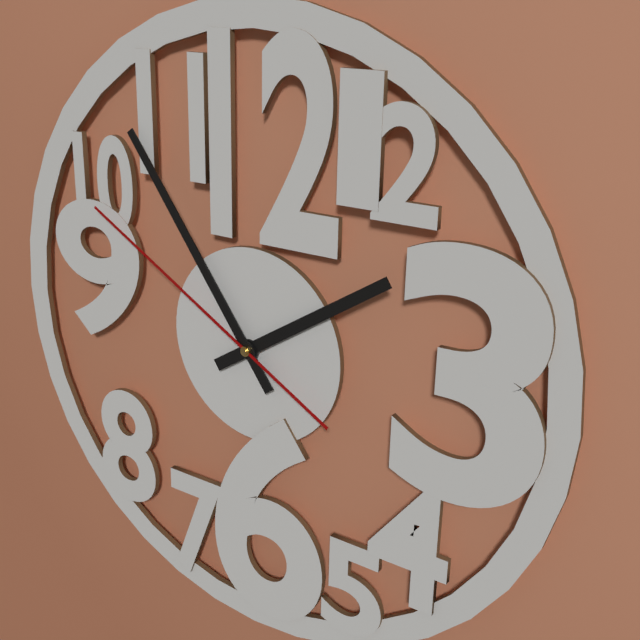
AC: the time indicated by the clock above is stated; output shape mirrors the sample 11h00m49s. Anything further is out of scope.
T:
1h54m50s
